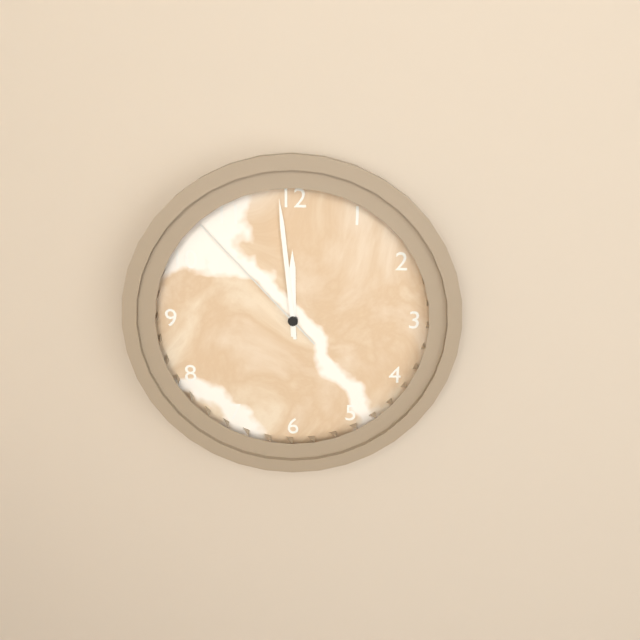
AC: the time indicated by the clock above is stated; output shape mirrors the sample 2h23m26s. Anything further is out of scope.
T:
11h59m53s
